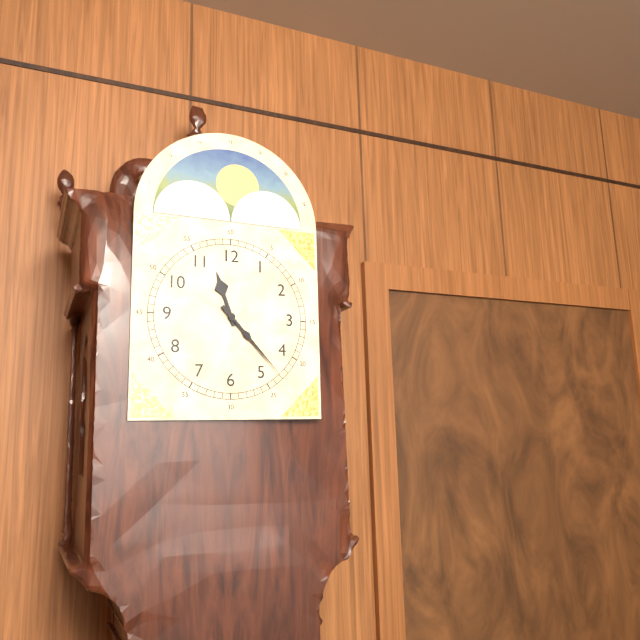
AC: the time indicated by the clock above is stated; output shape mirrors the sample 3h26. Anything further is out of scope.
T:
11h23
